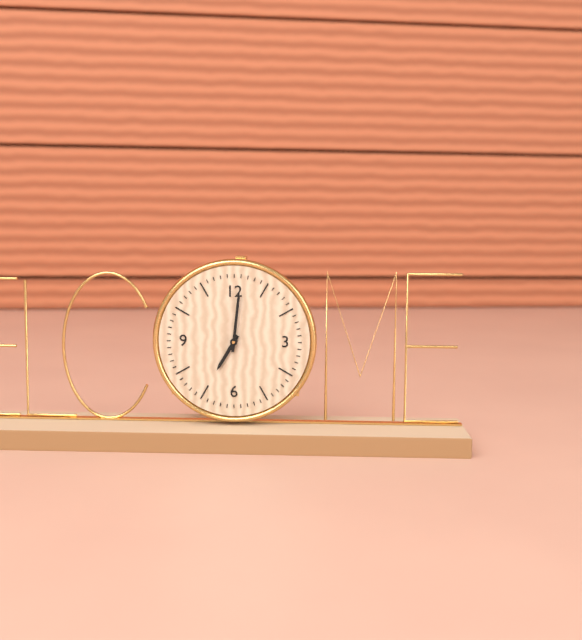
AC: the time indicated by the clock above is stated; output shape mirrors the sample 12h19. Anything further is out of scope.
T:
7h01
